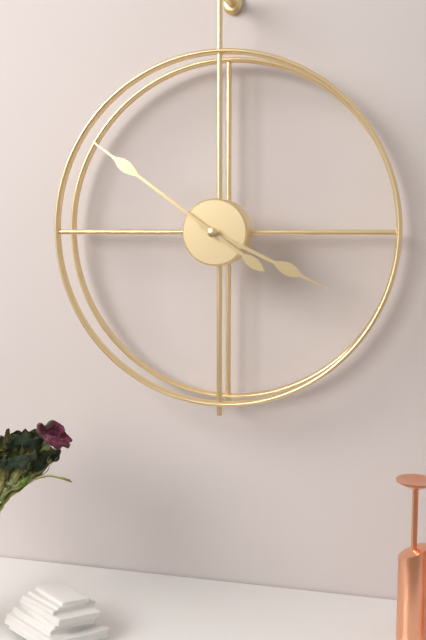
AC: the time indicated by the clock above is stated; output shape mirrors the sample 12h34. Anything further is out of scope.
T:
3h51
